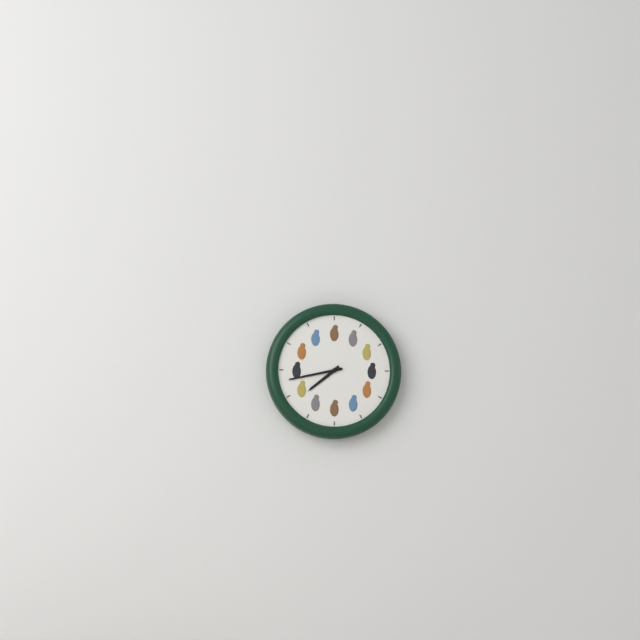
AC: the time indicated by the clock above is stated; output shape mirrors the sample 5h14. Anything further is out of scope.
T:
7h43
